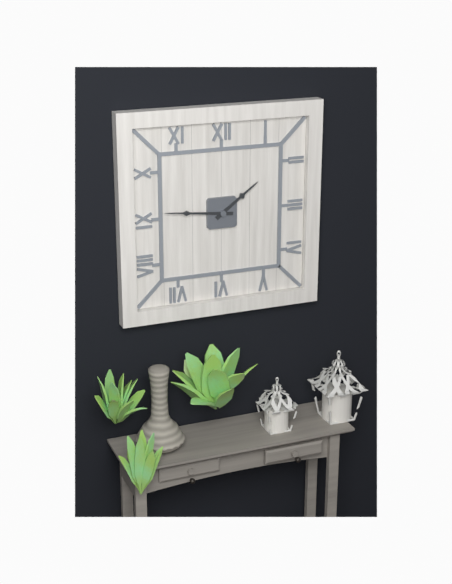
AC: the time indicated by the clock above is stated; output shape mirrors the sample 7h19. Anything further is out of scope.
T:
1h46
